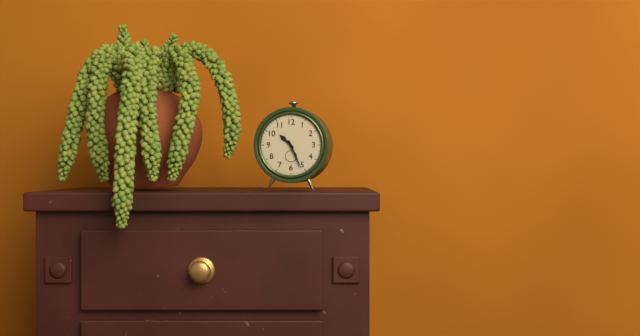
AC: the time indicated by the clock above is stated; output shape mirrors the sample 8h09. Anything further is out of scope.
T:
10h26
